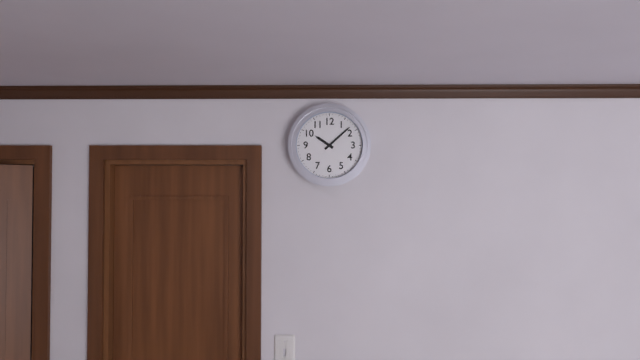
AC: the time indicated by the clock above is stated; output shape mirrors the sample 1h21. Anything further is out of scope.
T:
10h08
